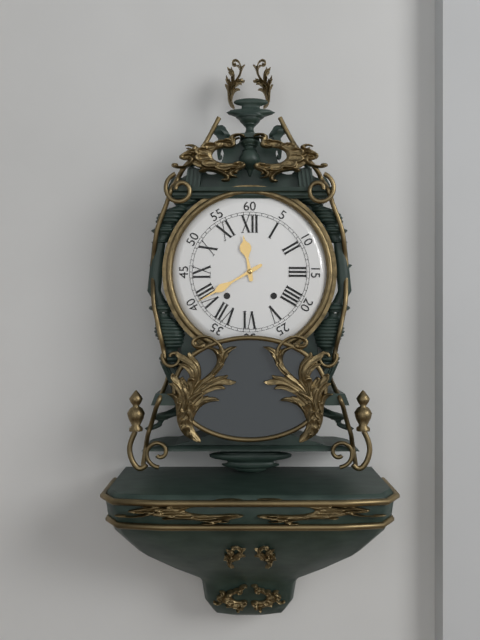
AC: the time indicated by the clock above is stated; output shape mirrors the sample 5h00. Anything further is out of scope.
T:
11h40
